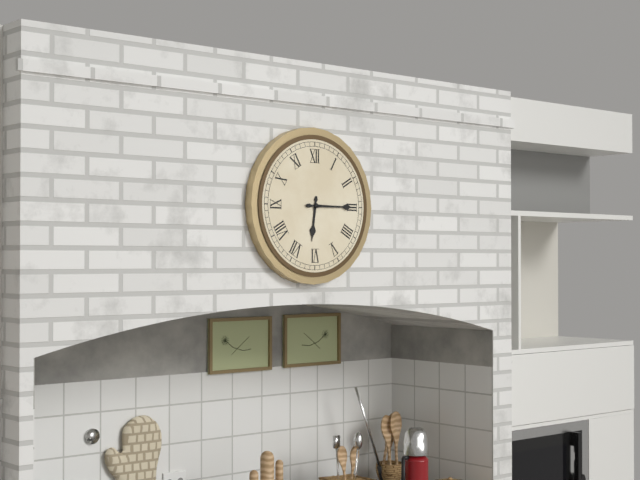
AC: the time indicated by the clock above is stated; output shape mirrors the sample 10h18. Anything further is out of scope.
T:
6h15
